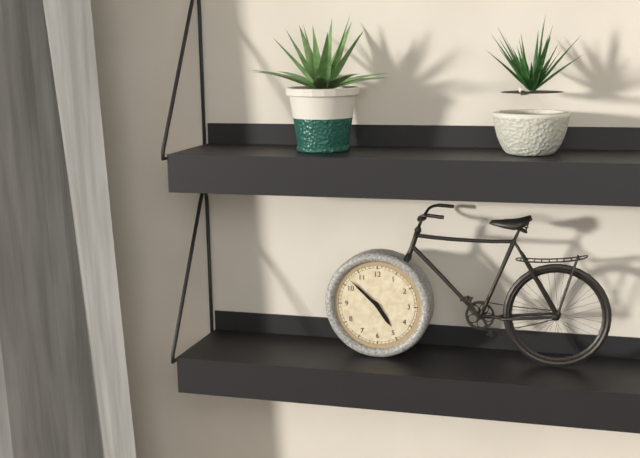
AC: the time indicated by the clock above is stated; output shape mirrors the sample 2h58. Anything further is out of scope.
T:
4h52
